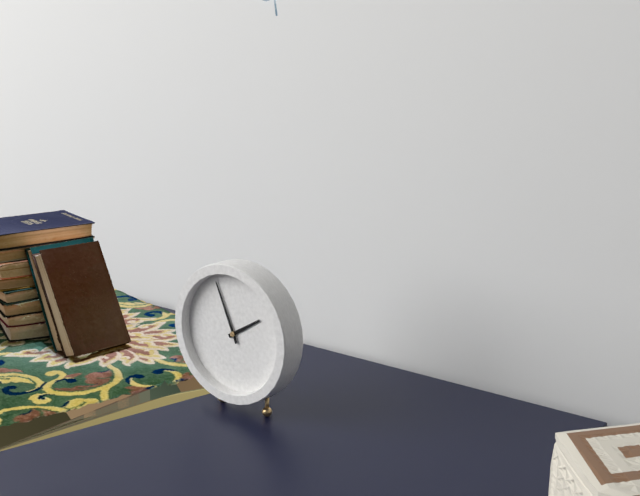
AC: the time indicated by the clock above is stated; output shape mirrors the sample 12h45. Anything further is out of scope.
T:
1h56
